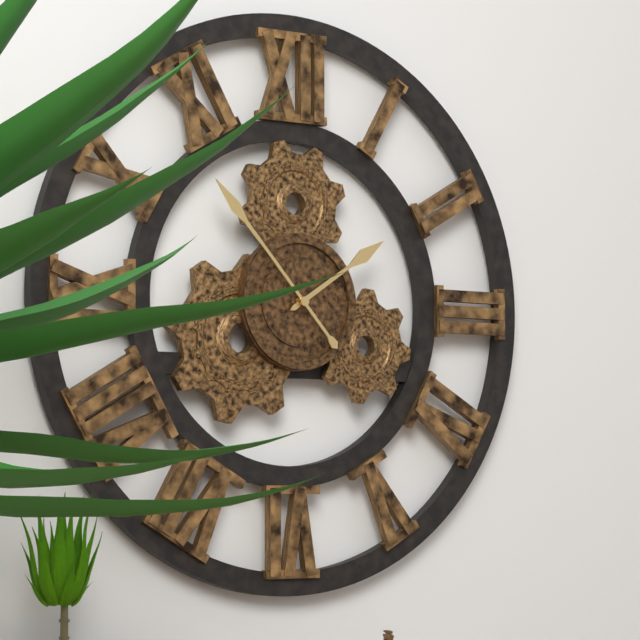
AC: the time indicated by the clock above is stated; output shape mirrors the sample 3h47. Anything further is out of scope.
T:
1h53
